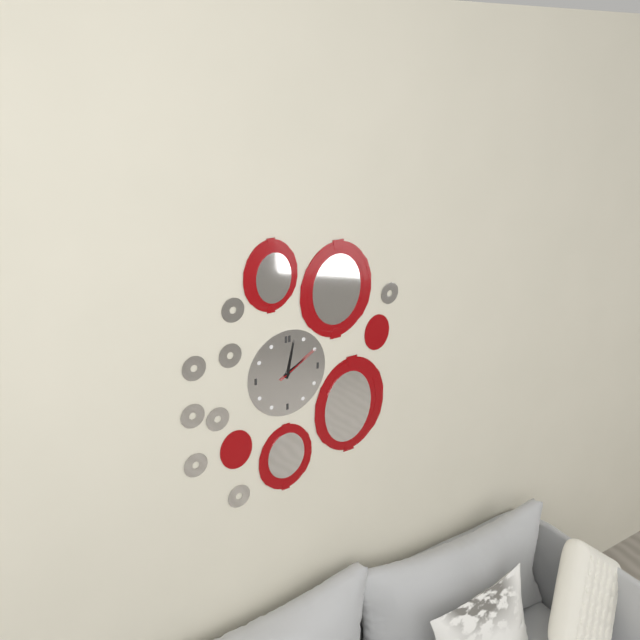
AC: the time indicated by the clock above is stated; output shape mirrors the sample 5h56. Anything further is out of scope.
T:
2h02
